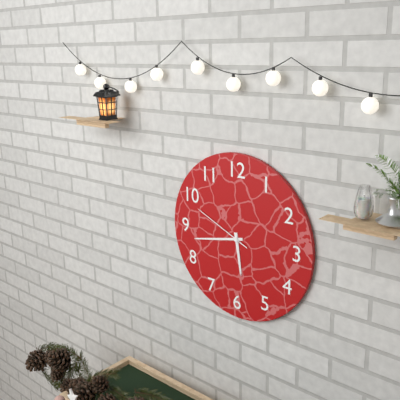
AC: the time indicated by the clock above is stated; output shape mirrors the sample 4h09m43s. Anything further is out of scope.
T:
5h43m49s
